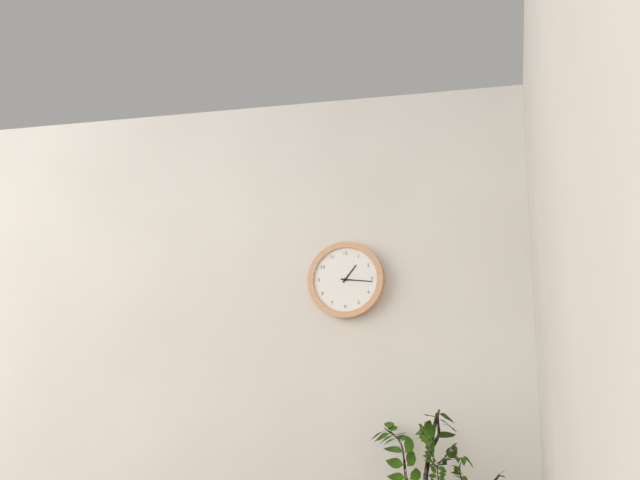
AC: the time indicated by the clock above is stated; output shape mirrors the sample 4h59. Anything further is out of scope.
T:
1h16
